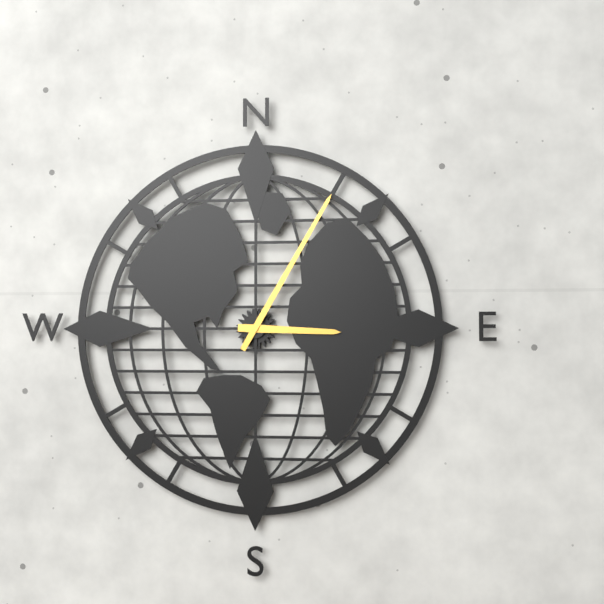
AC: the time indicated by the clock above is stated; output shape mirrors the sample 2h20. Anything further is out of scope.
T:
3h05
